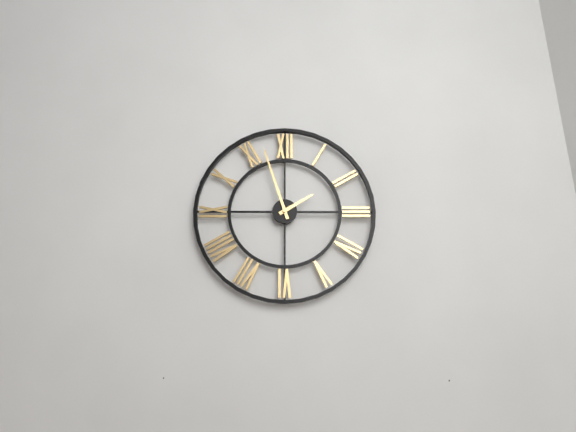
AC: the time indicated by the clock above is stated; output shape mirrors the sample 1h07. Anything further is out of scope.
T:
1h57
